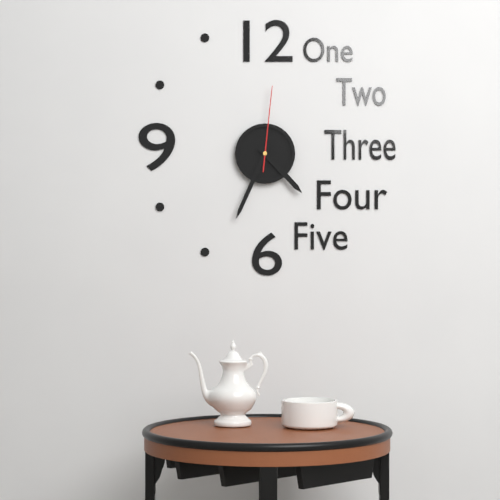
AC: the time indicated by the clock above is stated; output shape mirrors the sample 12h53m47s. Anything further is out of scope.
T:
4h34m01s
